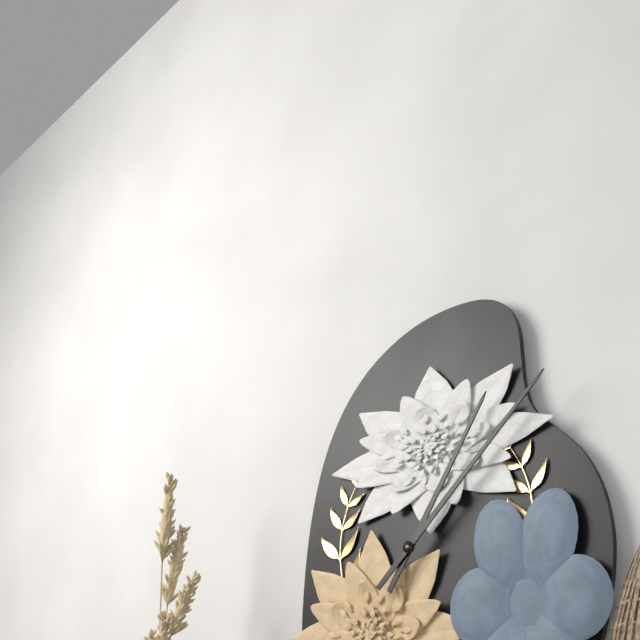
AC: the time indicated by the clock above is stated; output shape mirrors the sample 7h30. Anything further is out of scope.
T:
1h08
